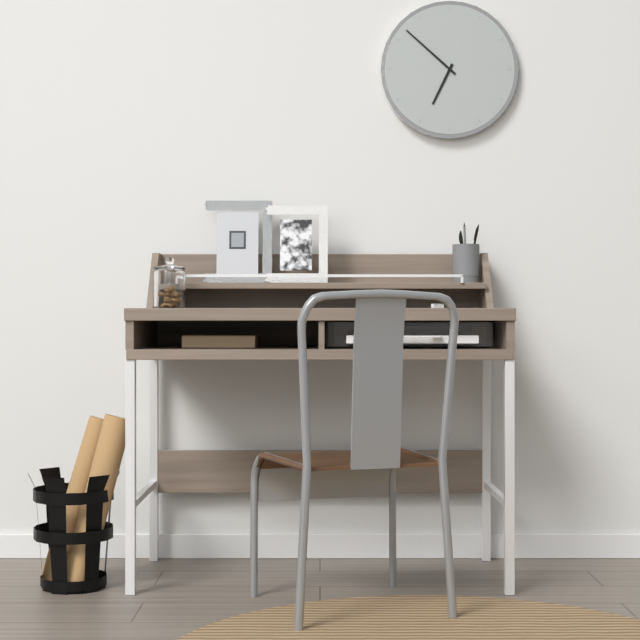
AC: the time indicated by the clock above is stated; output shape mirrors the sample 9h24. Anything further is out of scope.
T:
6h52
